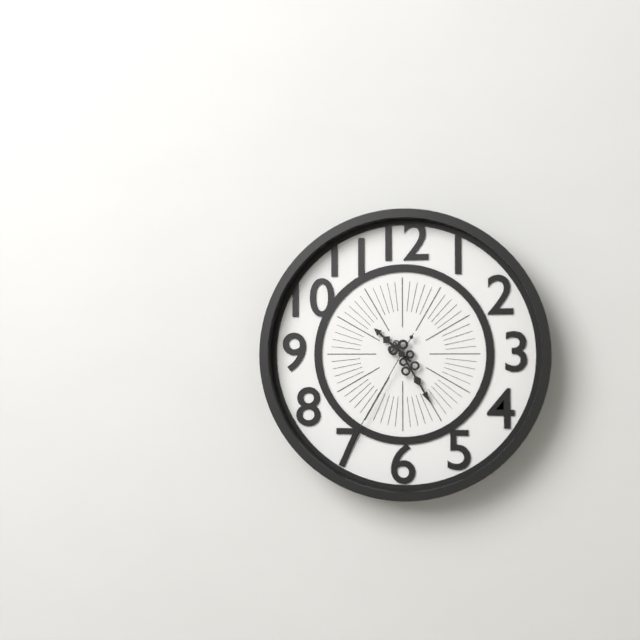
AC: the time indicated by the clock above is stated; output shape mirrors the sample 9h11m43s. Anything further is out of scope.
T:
10h25m35s
